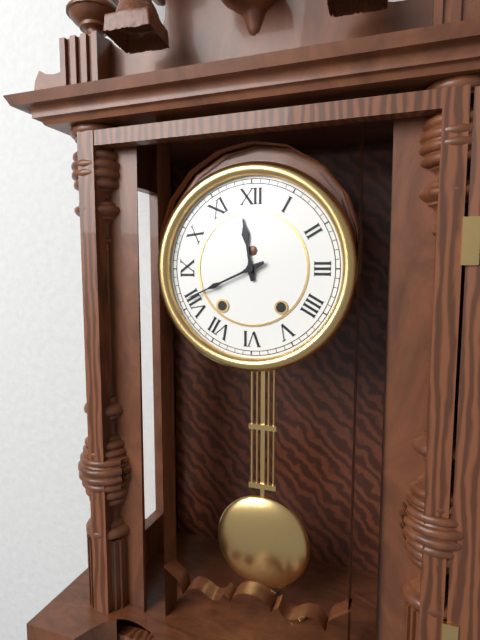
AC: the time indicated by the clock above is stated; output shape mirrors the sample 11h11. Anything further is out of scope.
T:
11h41
